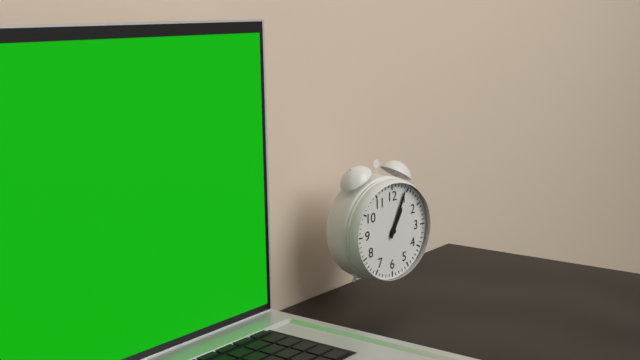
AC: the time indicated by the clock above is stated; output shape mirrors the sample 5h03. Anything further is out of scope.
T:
1h04
